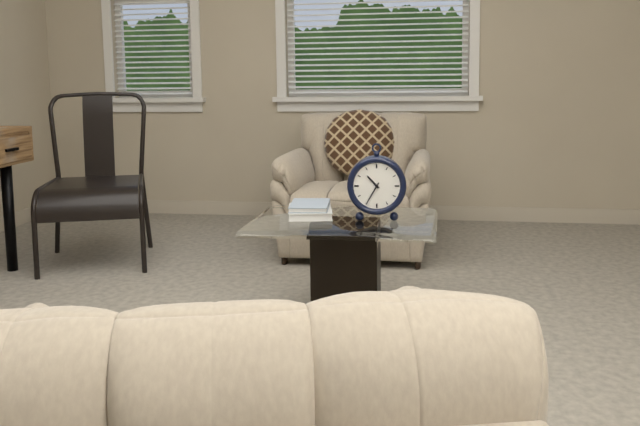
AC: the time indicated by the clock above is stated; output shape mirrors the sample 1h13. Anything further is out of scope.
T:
10h35
